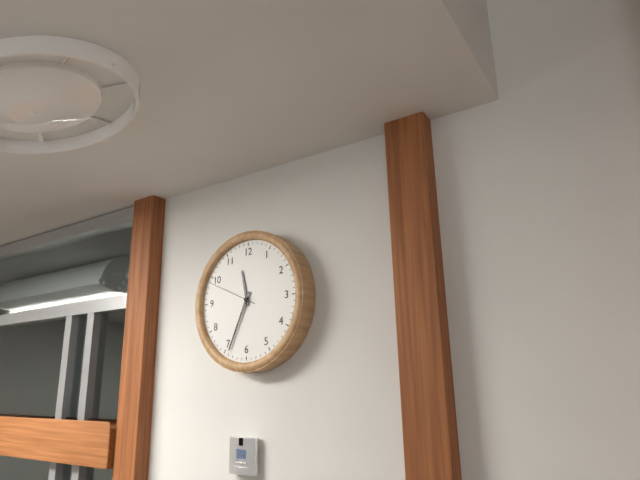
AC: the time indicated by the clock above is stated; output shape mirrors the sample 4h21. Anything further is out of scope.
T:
11h34
